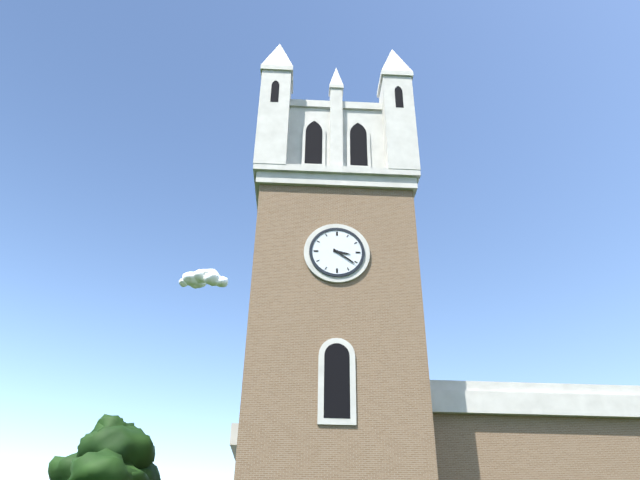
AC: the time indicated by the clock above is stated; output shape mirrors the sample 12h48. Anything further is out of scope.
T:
3h21
